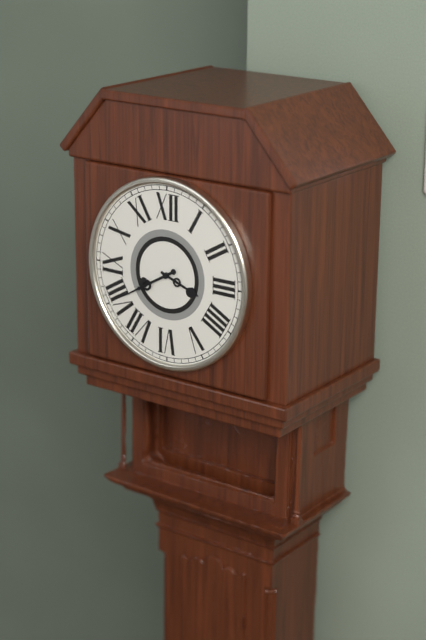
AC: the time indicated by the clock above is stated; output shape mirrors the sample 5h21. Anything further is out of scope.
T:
3h40
